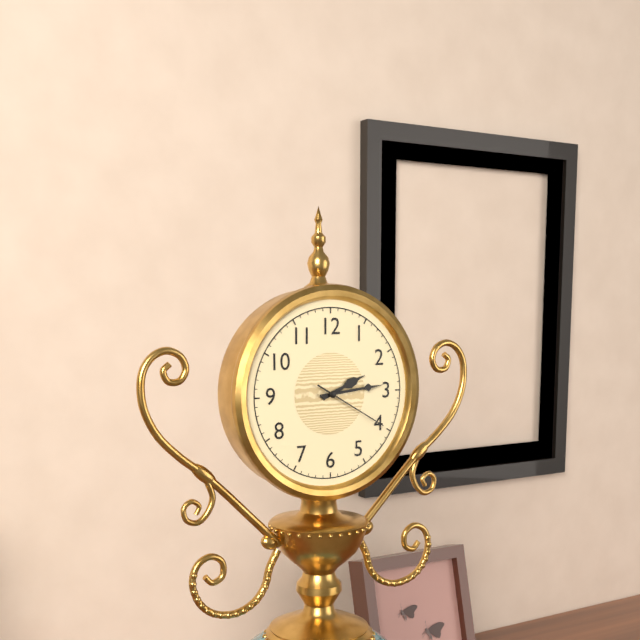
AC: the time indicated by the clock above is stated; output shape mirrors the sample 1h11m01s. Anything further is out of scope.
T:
2h14m20s
